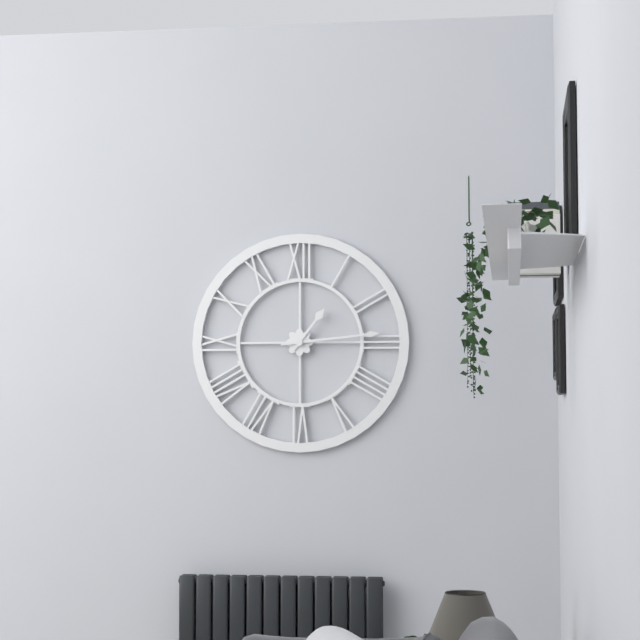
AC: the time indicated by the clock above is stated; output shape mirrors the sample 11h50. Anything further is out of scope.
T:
1h14
